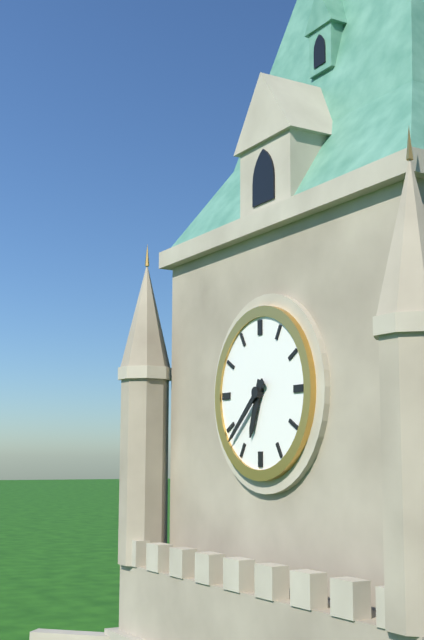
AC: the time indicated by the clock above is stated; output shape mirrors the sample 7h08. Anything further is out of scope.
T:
6h38
